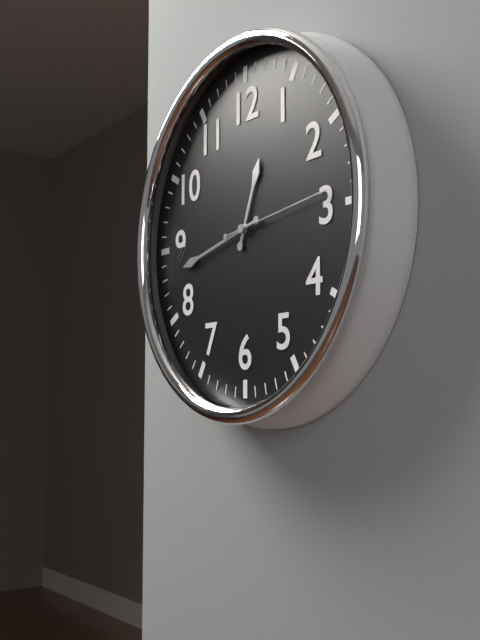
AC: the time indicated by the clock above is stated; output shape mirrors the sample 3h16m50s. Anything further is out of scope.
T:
12h43m14s
